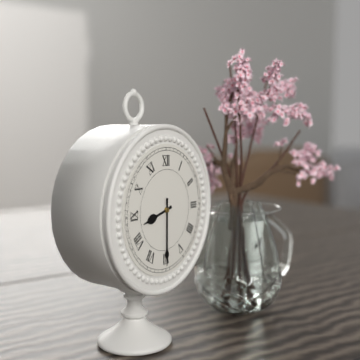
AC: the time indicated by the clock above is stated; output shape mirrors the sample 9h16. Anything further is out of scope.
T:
8h30
